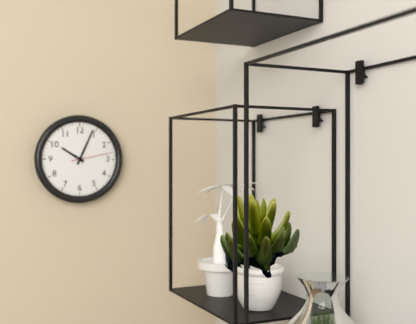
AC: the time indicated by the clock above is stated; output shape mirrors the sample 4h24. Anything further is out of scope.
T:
10h04
